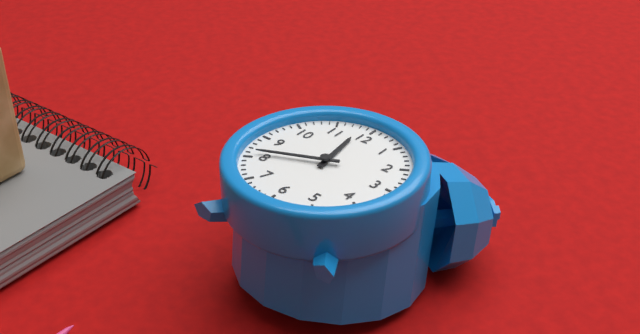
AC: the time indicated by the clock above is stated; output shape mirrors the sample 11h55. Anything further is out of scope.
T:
11h41
